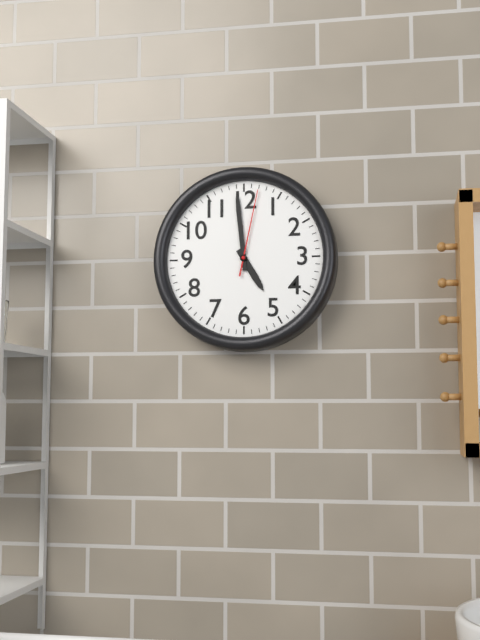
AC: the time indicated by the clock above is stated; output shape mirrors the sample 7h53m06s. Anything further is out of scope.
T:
4h59m02s
